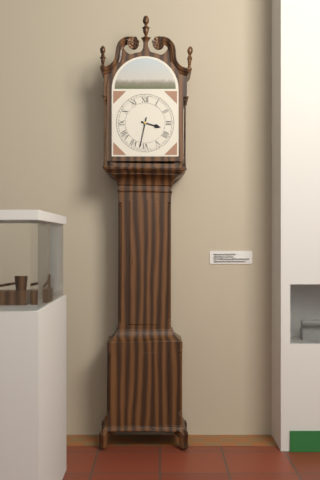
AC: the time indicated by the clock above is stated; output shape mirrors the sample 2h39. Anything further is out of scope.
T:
3h32
